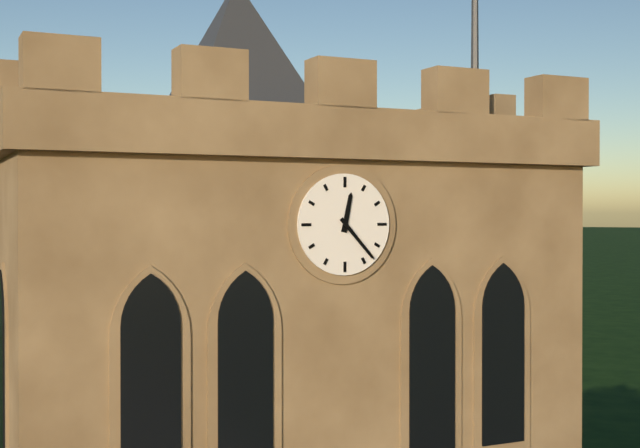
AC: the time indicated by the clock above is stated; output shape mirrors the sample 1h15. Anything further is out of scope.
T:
12h23
